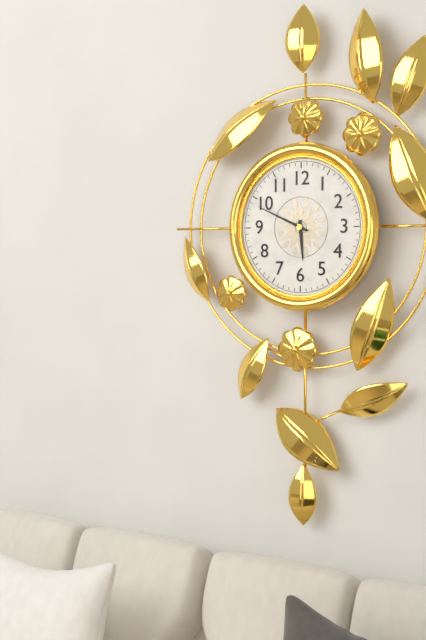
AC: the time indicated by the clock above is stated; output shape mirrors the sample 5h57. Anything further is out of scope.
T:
5h49
